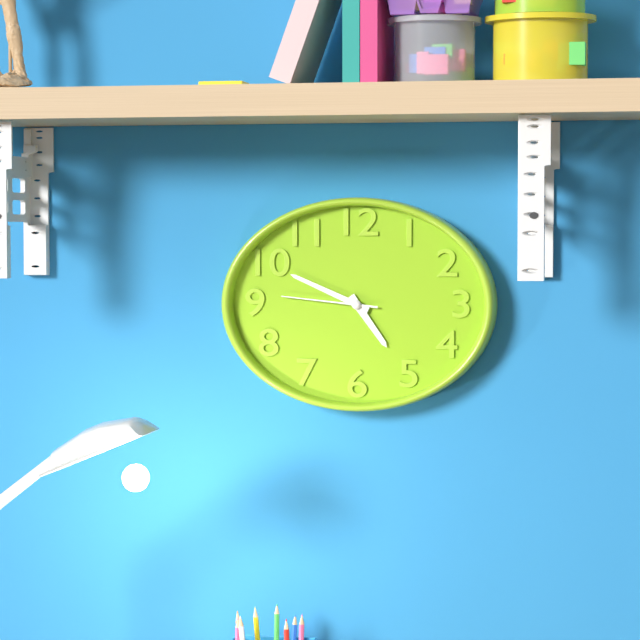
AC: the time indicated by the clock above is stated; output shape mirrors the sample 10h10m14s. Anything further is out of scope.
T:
4h49m46s
